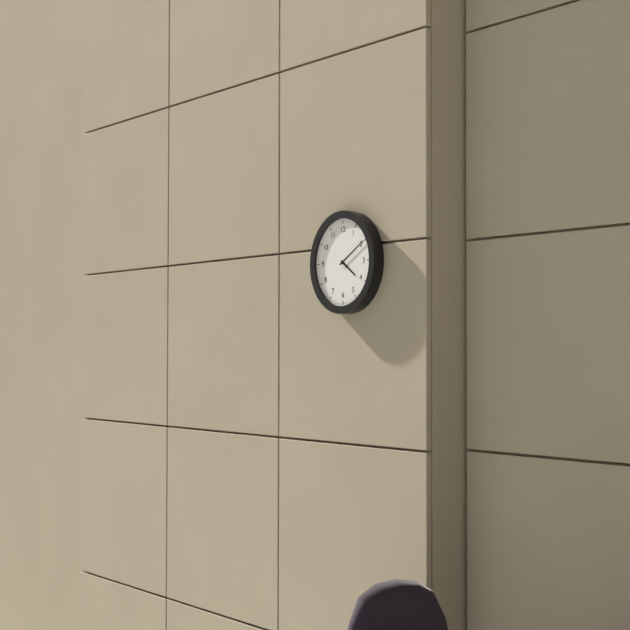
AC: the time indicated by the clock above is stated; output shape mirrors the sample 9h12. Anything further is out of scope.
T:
4h10
